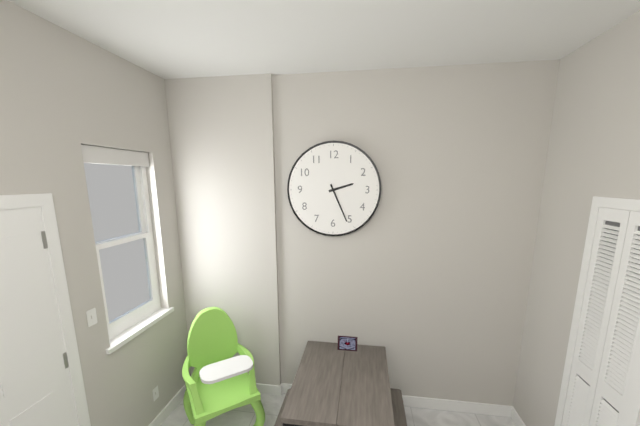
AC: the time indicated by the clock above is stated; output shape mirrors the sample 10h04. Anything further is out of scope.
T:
2h26
